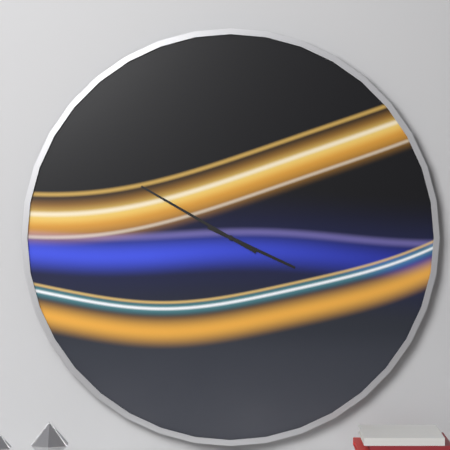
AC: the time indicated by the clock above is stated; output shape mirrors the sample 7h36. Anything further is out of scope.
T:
3h50
